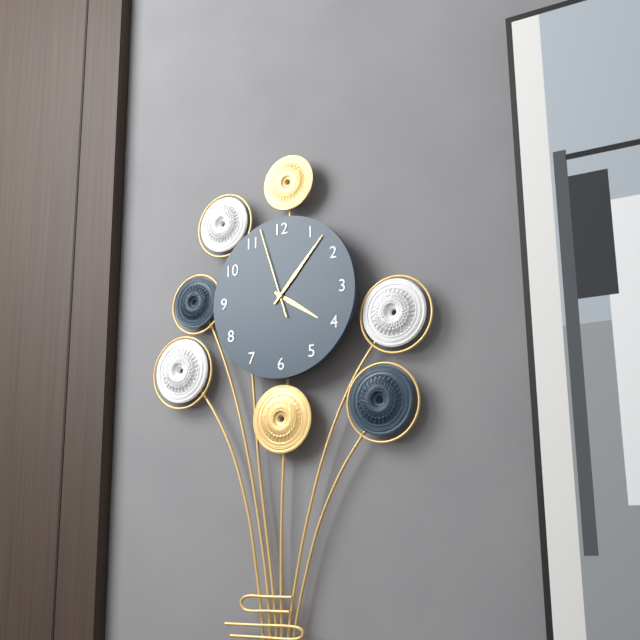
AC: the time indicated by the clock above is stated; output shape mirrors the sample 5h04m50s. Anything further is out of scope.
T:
4h07m57s
